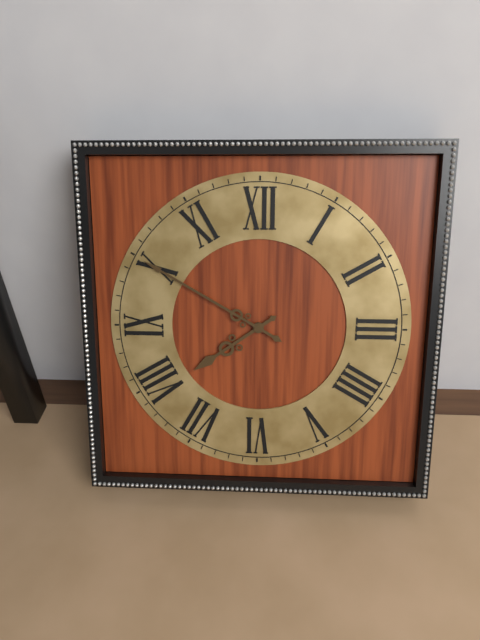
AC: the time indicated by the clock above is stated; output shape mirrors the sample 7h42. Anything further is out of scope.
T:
7h50
